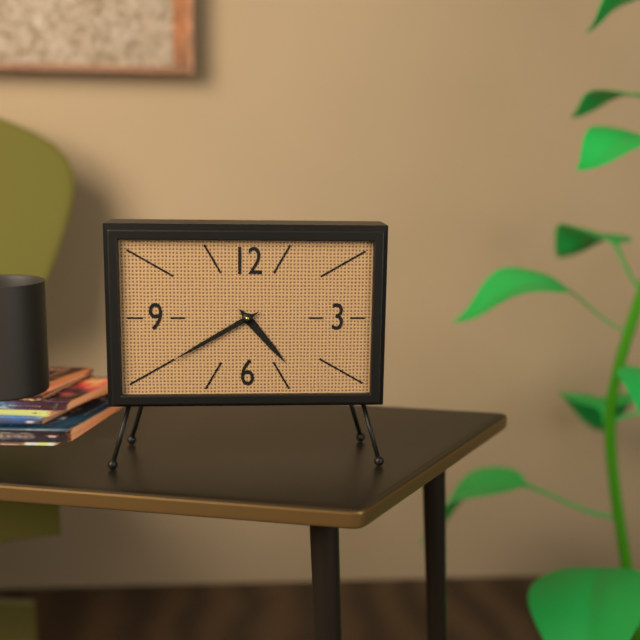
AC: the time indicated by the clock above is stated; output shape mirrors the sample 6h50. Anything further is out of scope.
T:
4h40
